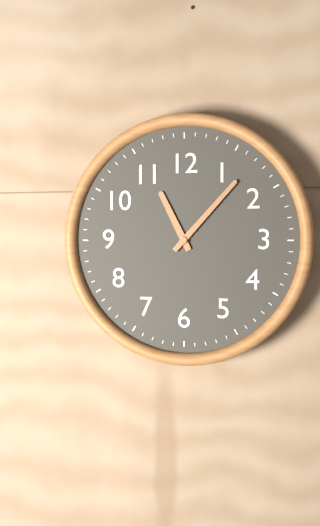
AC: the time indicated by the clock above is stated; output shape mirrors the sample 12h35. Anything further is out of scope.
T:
11h07
